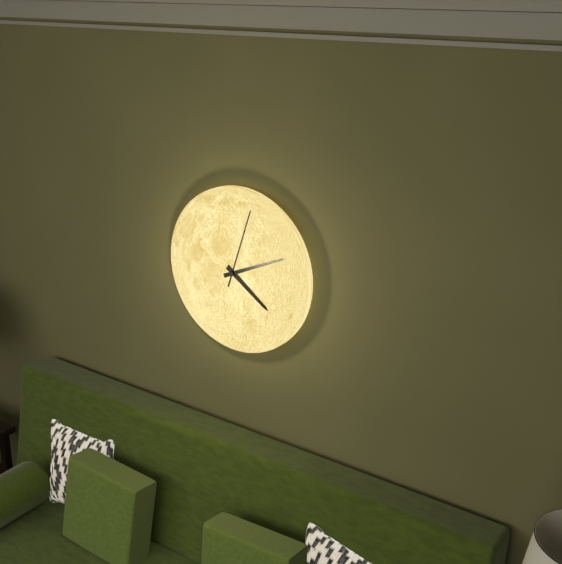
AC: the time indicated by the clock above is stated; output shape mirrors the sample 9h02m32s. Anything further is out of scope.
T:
4h11m03s
